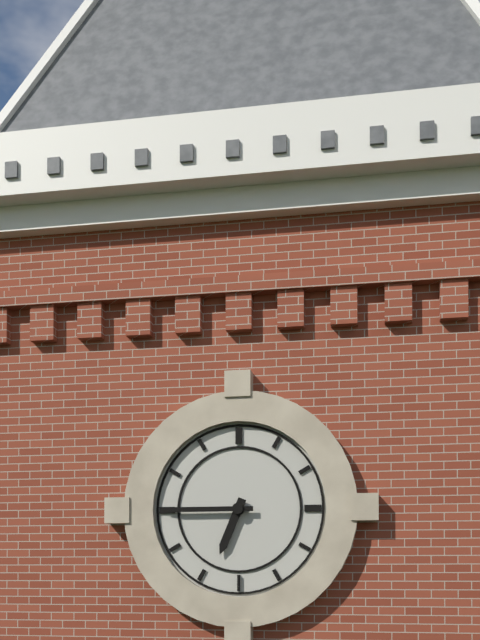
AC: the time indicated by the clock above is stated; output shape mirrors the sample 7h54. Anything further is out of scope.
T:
6h45
